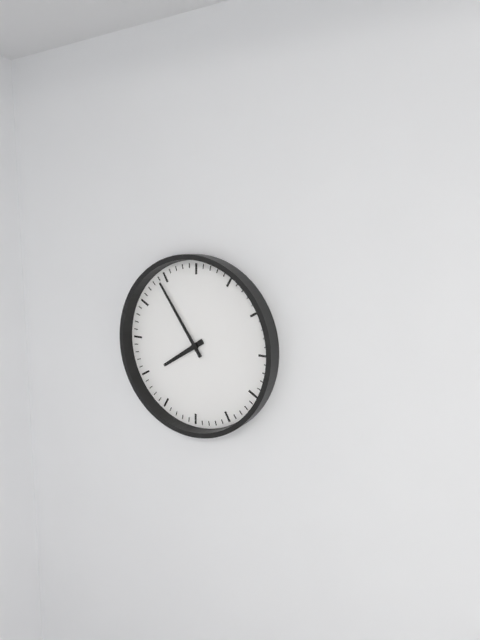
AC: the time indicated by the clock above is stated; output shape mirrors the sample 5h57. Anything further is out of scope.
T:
7h54
